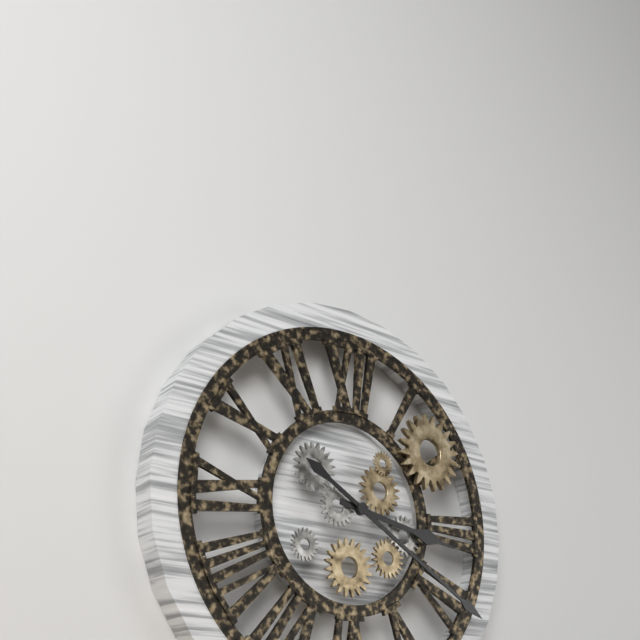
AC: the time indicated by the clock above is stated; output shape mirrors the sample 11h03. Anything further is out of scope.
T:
3h20
